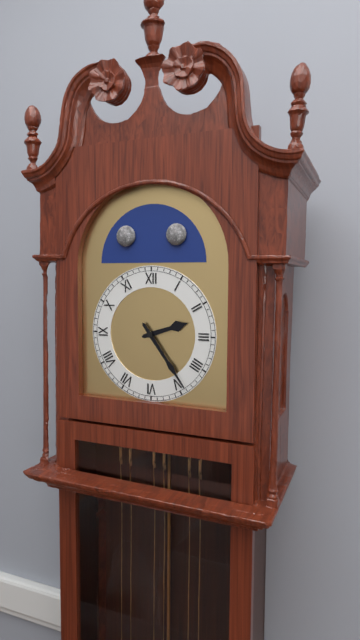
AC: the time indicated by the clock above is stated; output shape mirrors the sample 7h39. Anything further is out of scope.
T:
2h24
